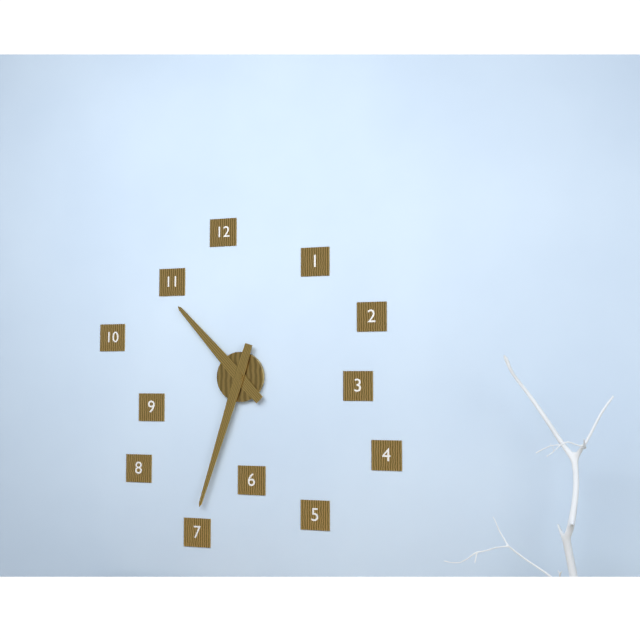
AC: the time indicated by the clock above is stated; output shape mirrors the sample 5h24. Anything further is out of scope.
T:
10h33
